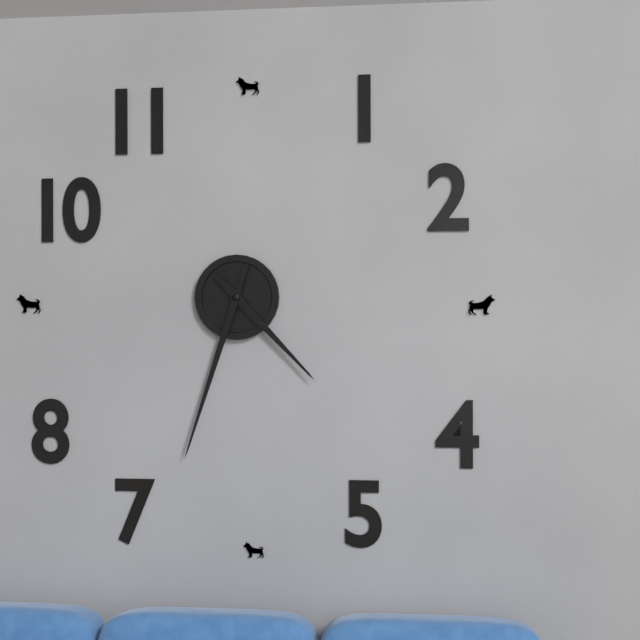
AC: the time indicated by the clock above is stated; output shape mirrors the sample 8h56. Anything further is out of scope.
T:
4h33
